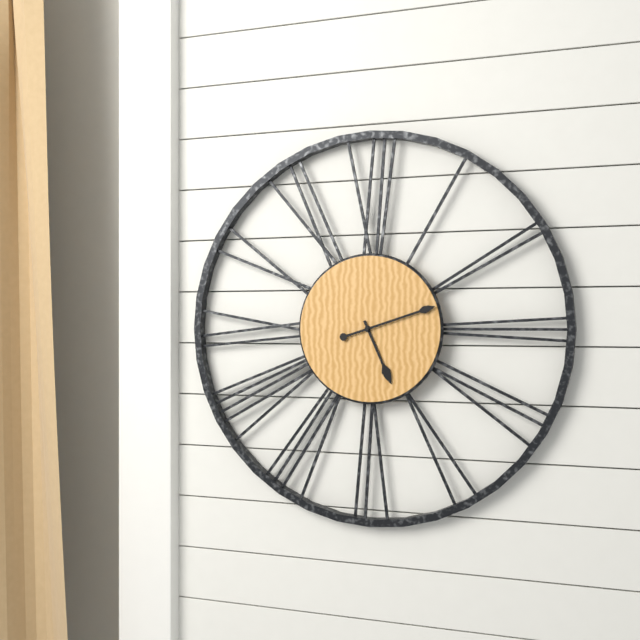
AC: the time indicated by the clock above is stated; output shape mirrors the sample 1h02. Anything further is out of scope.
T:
5h12
